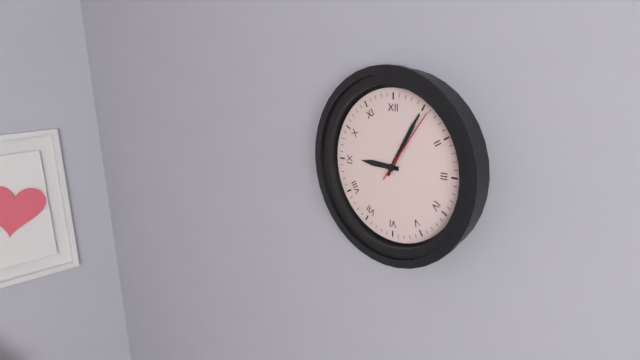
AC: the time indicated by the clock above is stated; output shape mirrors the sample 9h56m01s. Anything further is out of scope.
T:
9h05m06s
